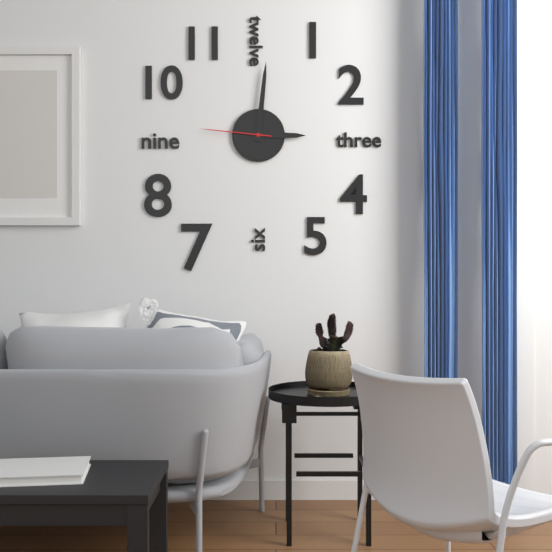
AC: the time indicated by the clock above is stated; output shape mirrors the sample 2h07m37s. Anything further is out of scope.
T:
3h01m46s
